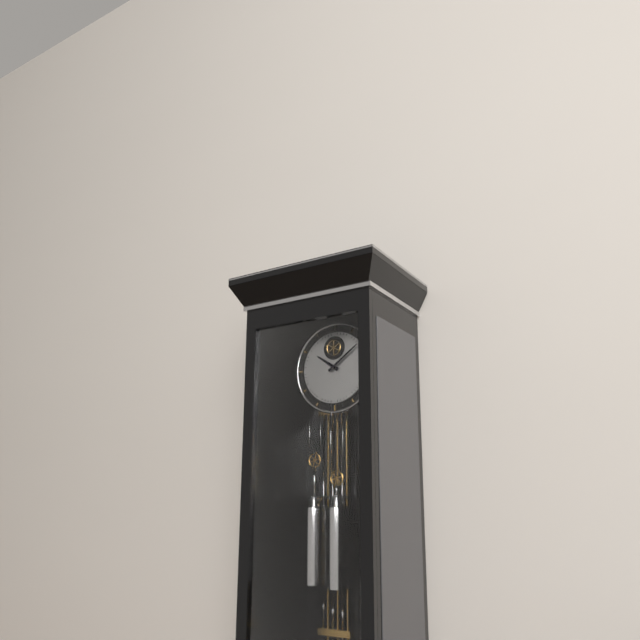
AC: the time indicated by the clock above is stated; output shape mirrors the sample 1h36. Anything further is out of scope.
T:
10h09
